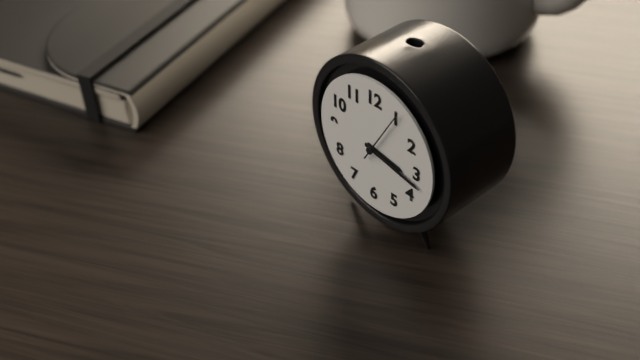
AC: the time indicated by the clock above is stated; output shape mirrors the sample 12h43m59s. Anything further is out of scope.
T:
3h17m05s
